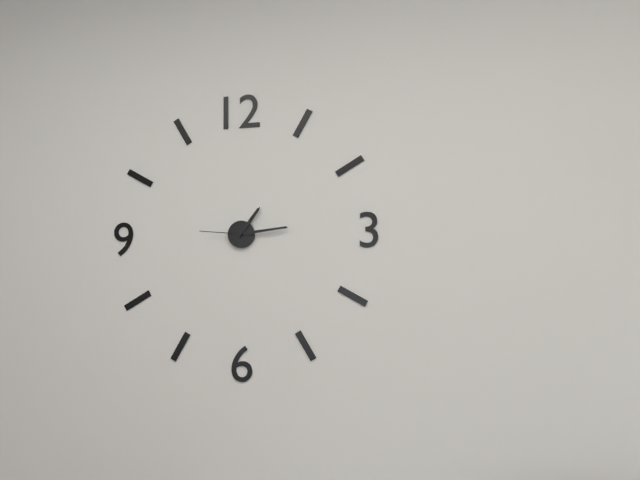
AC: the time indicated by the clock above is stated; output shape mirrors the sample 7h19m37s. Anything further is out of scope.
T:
1h14m46s
